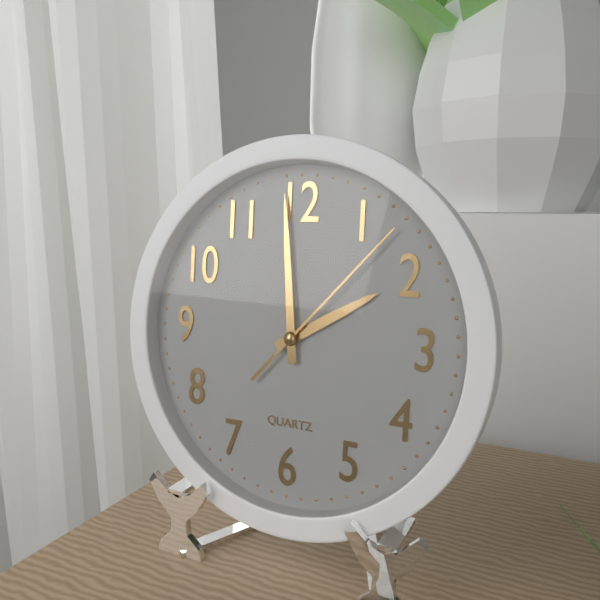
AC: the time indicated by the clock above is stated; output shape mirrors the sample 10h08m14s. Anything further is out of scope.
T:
1h59m07s
